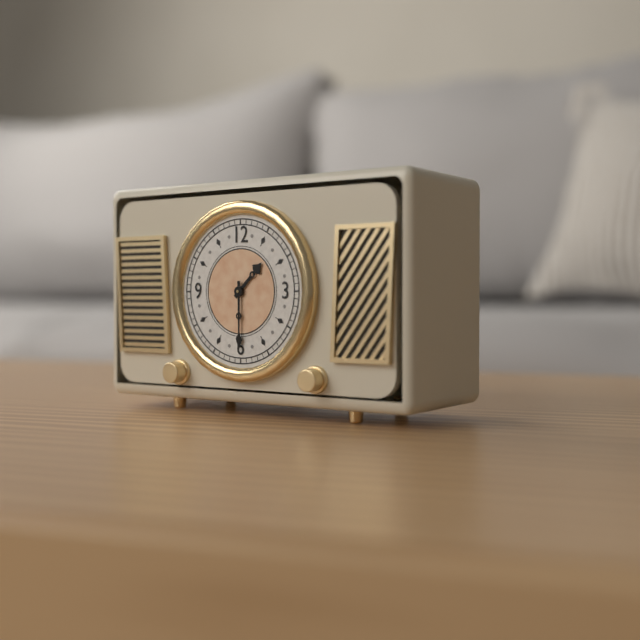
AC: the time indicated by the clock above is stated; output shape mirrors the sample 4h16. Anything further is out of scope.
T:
1h30
